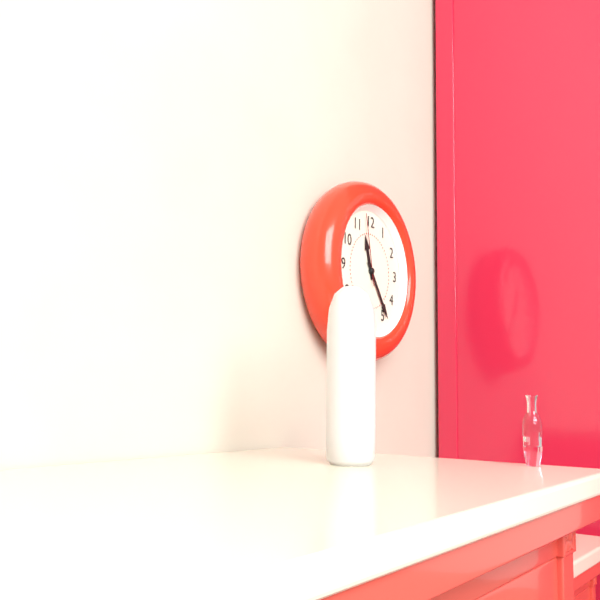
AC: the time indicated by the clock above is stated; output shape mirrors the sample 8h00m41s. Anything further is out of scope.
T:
11h24m58s
